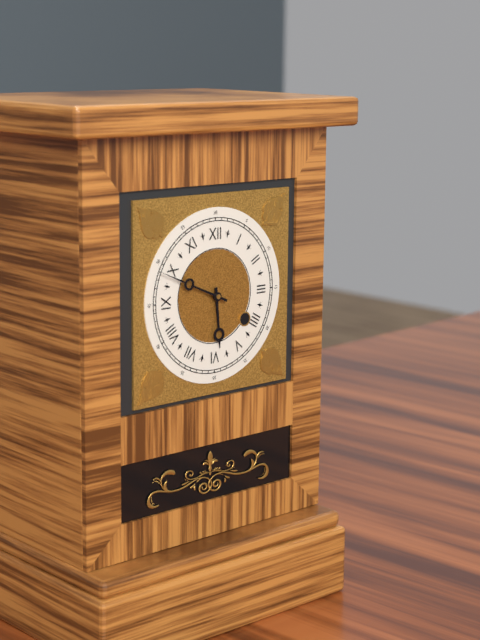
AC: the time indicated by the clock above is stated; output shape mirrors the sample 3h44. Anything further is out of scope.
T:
5h49
